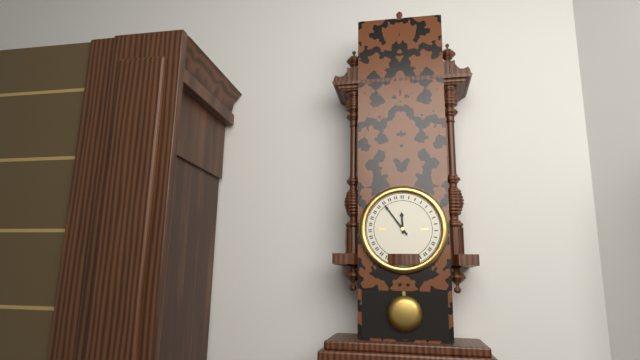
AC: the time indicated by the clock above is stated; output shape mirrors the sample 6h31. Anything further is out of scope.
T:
11h54
